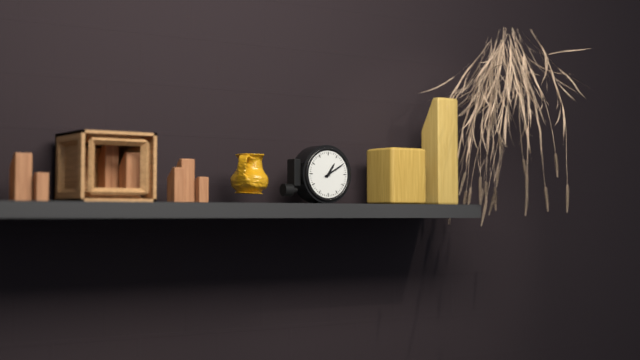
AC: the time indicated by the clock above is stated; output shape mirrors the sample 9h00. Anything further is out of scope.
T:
1h10
